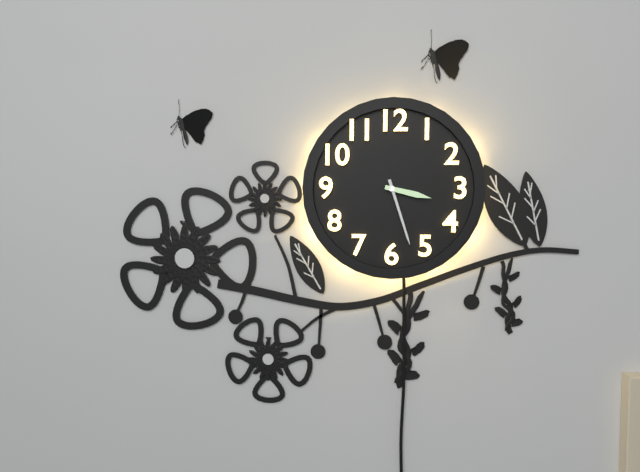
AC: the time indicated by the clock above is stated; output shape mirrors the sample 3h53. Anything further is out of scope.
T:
3h27
